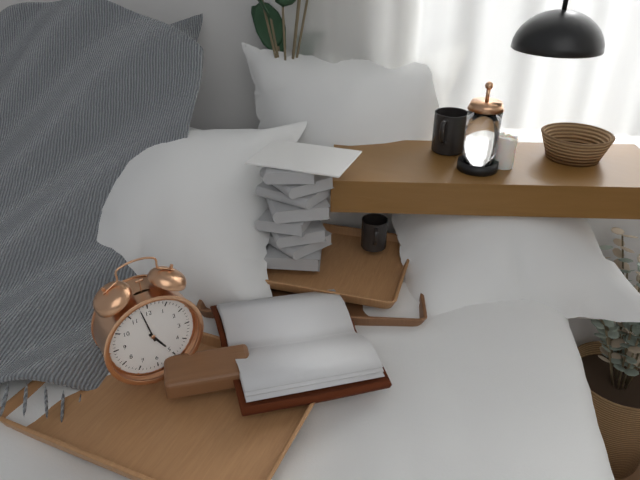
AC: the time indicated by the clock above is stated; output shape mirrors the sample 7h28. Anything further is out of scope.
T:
4h58
